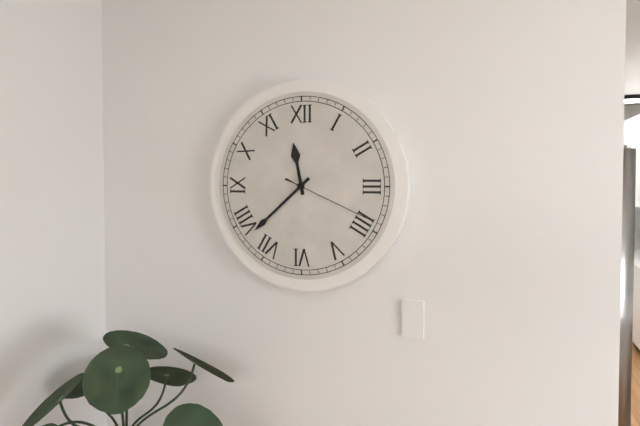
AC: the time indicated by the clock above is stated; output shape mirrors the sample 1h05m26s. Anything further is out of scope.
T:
11h38m19s
